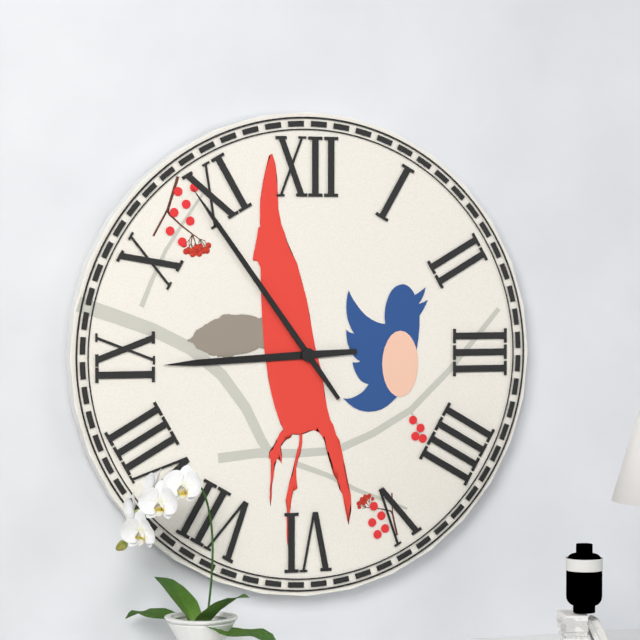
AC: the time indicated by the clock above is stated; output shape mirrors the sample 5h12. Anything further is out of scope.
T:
8h54
